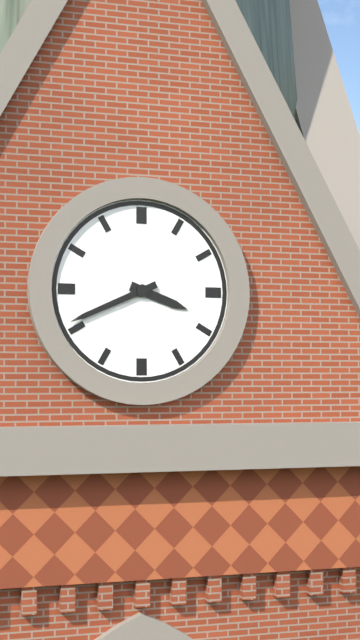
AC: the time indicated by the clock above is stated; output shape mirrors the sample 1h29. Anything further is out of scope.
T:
3h41
